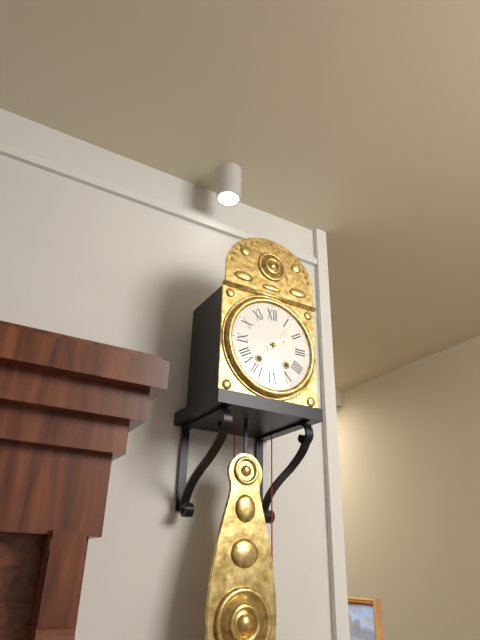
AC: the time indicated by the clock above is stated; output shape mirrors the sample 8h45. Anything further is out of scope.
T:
2h07
